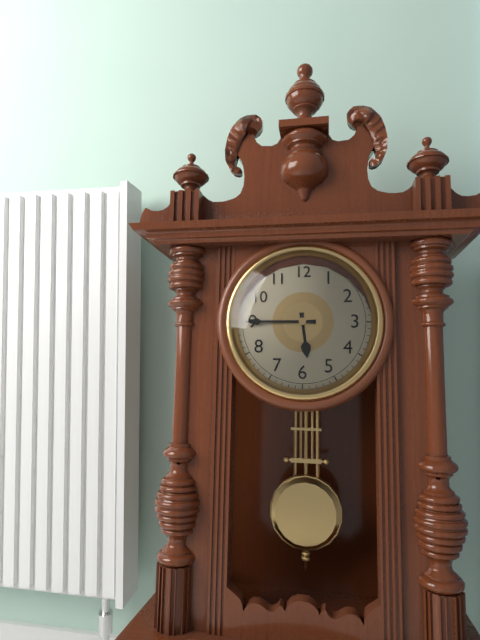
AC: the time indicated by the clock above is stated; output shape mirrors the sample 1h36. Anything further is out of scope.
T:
5h45
